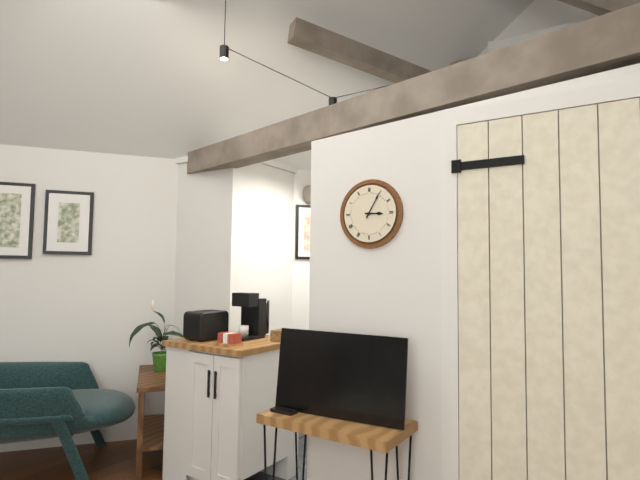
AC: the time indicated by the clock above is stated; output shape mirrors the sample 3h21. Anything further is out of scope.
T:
3h05
